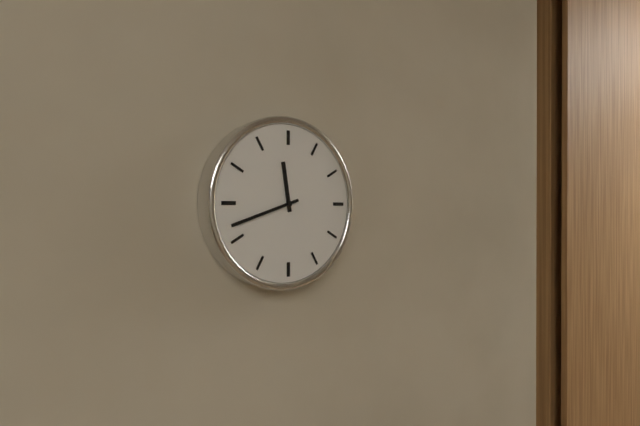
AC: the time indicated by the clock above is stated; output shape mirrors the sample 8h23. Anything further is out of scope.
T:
11h42
